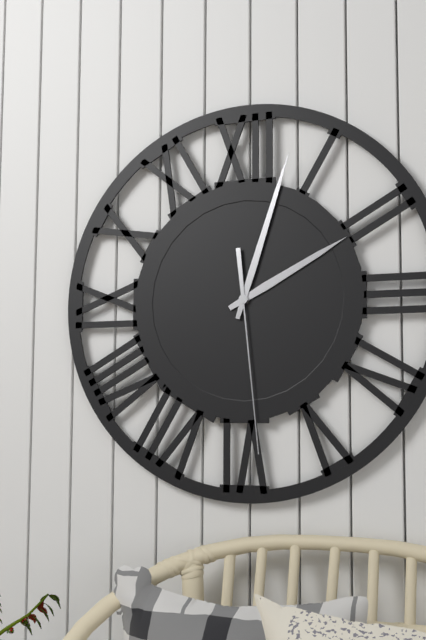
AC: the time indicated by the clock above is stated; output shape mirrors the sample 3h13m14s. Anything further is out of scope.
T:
2h03m29s
